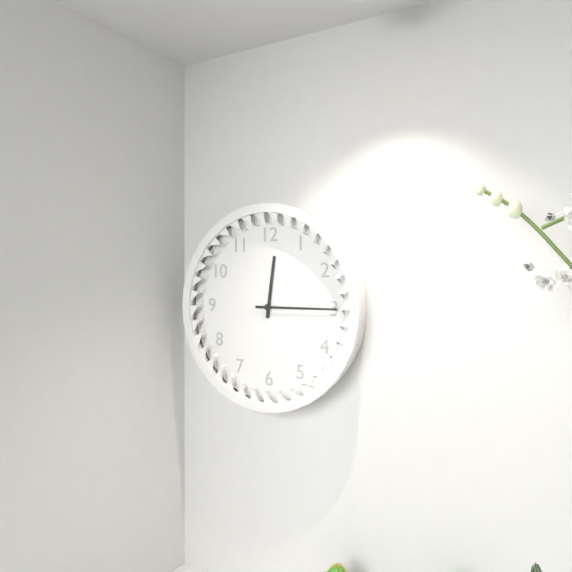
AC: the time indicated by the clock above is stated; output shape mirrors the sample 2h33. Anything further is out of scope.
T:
12h15
